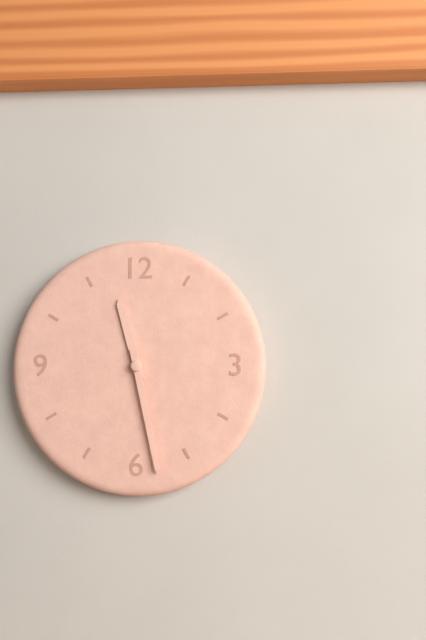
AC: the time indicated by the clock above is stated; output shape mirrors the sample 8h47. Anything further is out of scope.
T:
11h28
